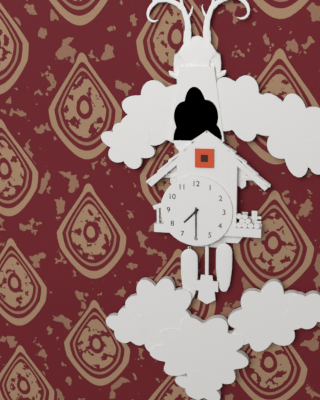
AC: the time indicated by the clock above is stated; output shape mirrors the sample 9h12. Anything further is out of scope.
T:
7h30
